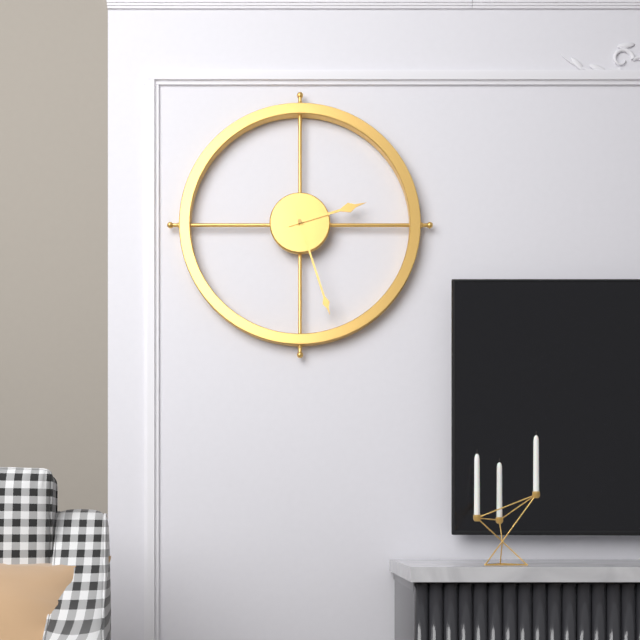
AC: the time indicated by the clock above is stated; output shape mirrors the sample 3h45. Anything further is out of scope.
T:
2h27
